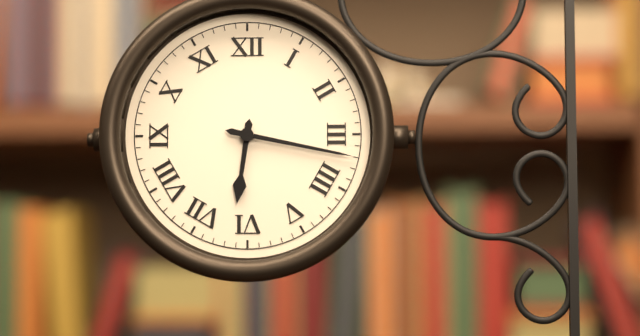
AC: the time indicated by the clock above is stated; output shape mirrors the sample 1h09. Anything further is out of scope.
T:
6h17
